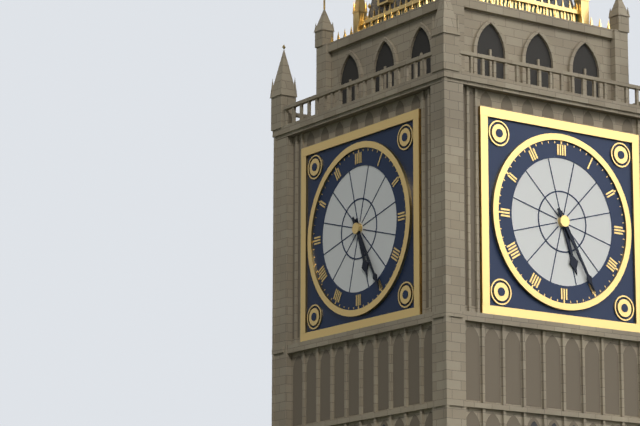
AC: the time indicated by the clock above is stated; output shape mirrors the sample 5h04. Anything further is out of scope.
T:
5h25
